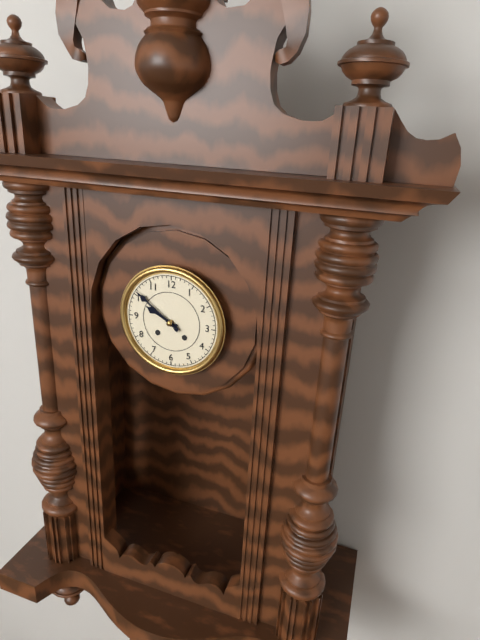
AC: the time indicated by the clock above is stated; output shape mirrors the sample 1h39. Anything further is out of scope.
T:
9h51
